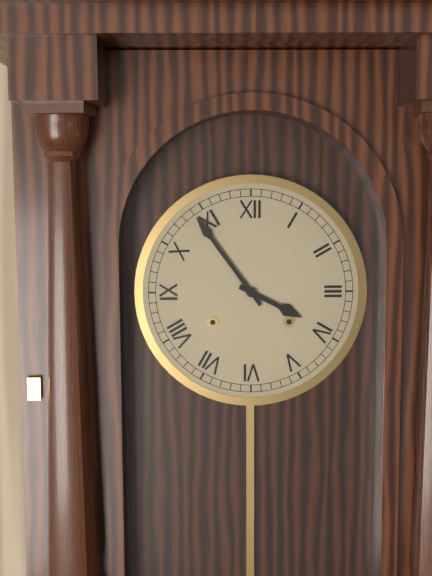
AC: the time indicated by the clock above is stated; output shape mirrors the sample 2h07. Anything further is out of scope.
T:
3h54
